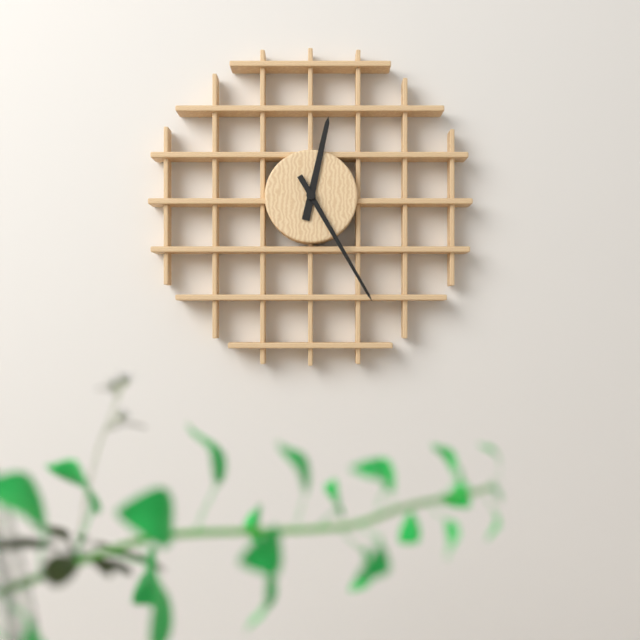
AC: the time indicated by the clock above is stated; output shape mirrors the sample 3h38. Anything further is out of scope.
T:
12h25
